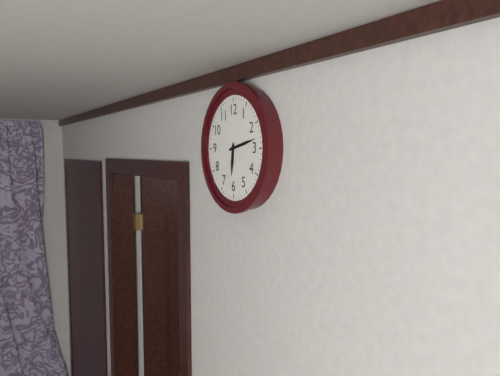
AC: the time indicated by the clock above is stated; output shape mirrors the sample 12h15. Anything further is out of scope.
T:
6h13
